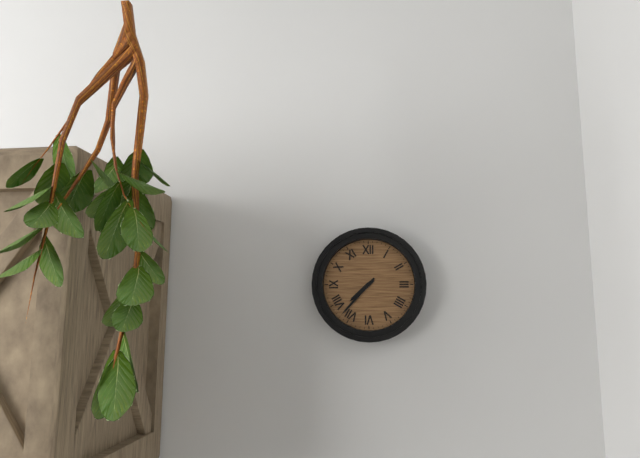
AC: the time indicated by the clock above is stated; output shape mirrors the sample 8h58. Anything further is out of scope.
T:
7h37
